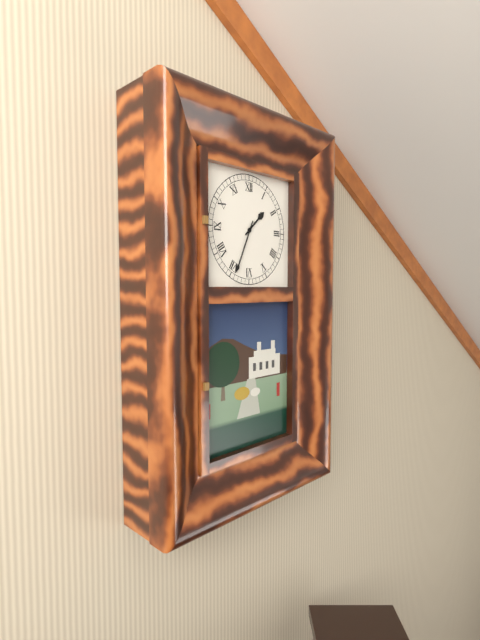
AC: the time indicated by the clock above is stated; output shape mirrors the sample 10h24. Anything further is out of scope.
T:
1h34
